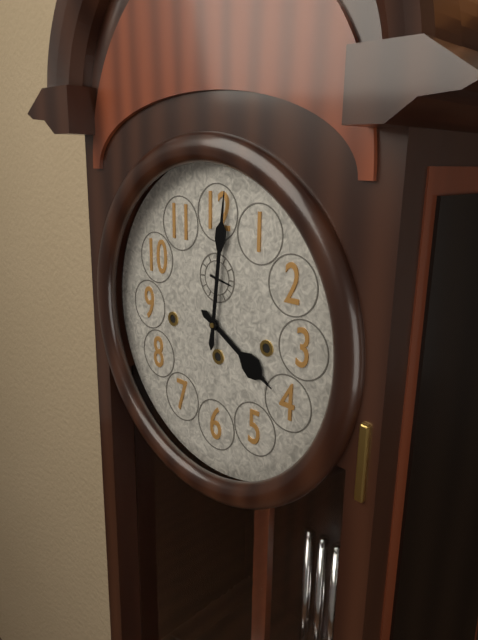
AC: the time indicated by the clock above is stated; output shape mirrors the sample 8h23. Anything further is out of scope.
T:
4h01
